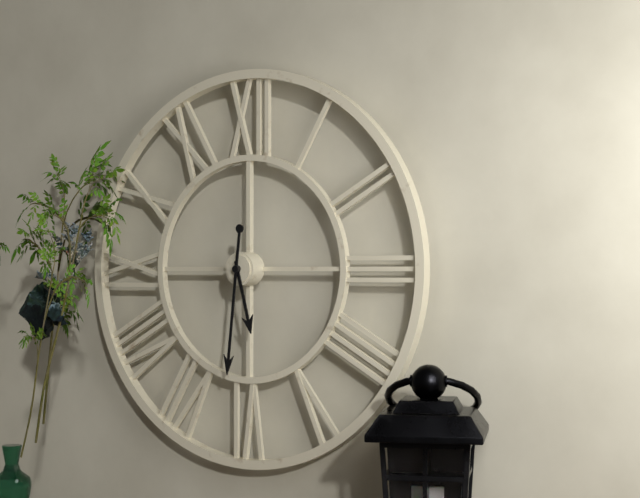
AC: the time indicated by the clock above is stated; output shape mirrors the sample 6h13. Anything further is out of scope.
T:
5h31
